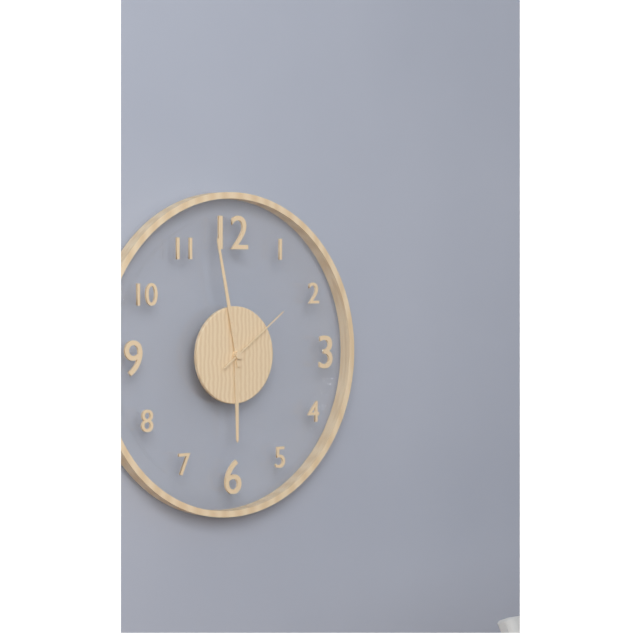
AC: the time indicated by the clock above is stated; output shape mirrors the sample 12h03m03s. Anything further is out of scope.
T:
5h58m09s
